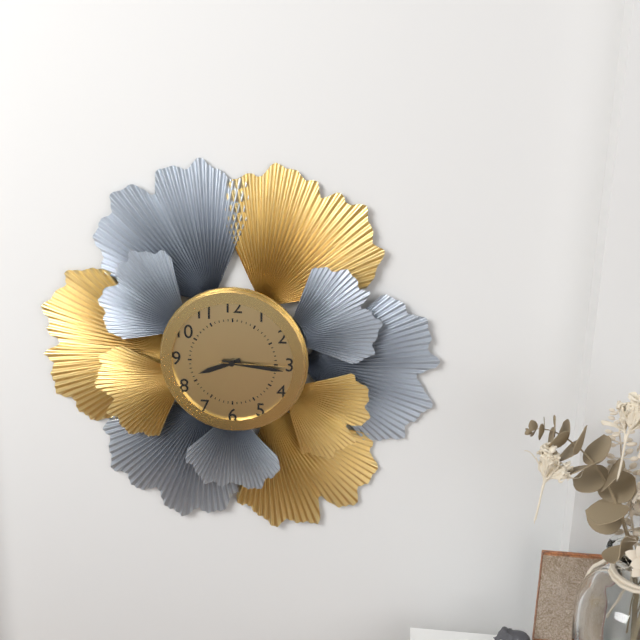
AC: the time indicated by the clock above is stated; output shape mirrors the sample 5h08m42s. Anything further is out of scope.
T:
8h16m15s
